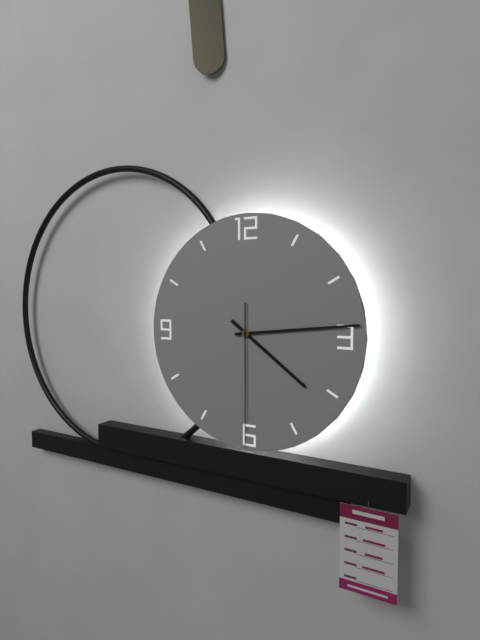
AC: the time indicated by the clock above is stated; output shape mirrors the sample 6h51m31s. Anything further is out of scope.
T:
4h14m30s
